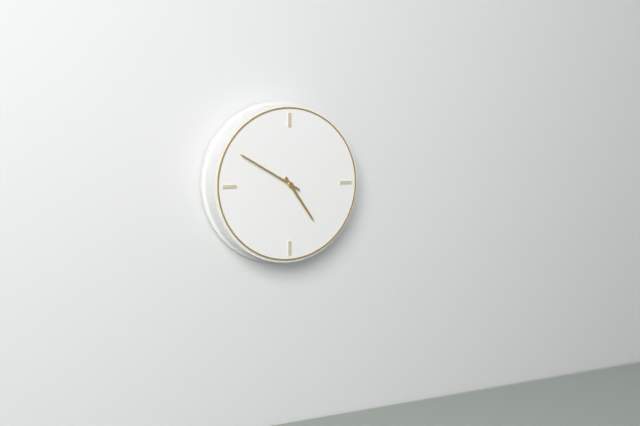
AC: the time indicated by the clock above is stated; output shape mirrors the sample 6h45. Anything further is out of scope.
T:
4h50
